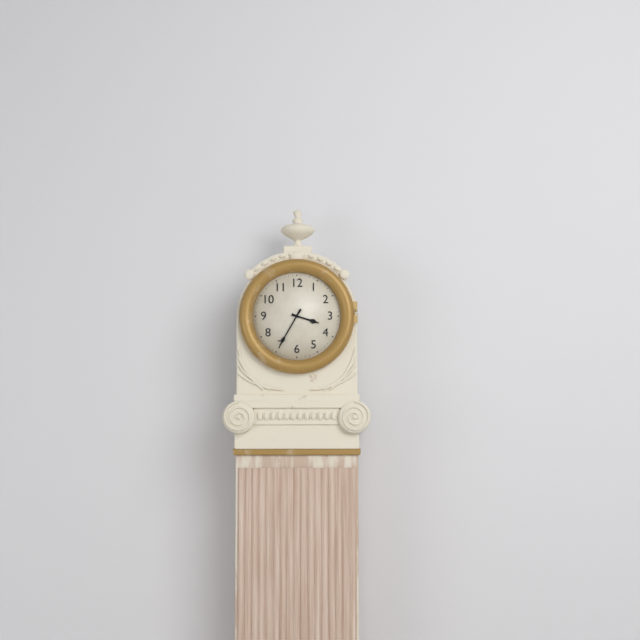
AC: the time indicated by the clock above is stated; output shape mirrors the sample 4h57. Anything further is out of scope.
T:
3h35
